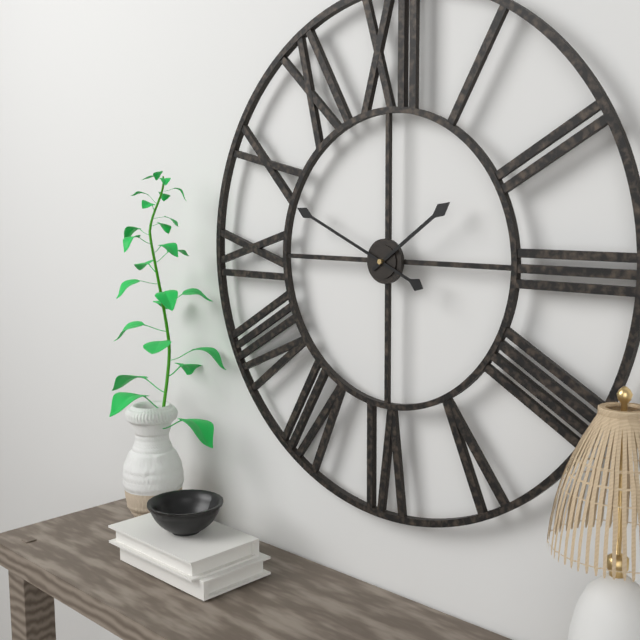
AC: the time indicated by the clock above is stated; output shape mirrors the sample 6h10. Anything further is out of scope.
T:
1h49
